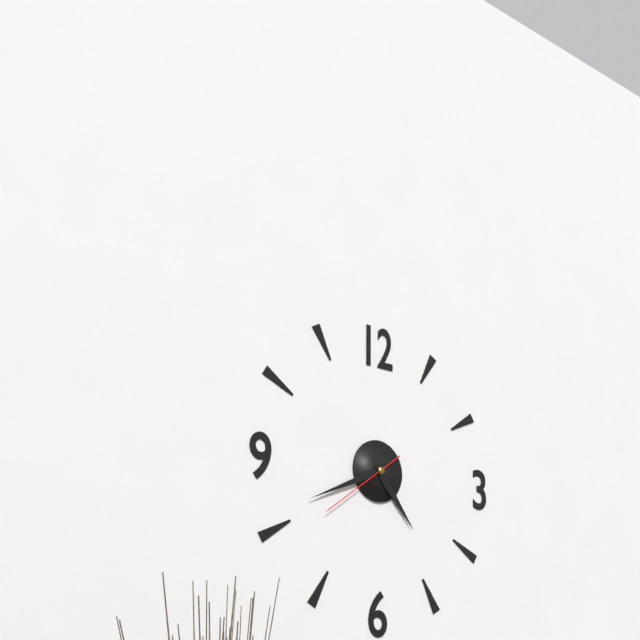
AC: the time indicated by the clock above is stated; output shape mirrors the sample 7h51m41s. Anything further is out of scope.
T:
4h41m39s
